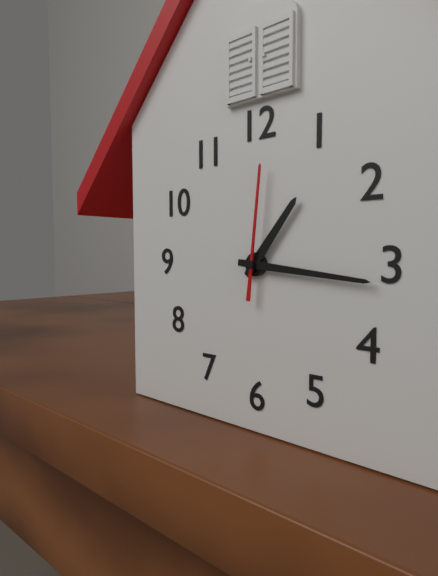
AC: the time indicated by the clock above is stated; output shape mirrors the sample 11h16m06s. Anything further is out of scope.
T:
1h16m01s
